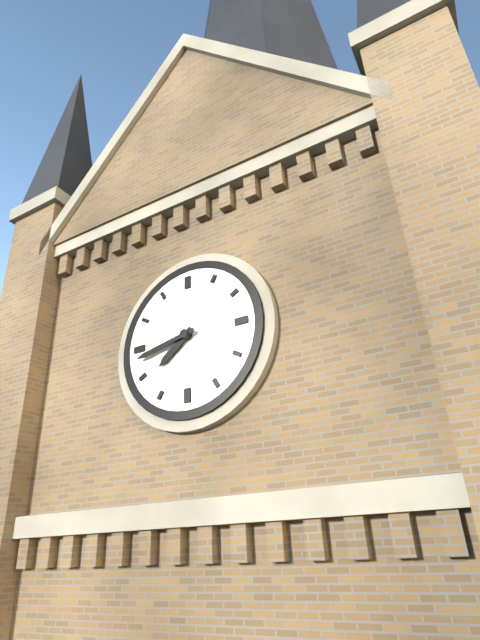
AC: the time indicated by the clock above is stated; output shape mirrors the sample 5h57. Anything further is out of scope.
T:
7h43
